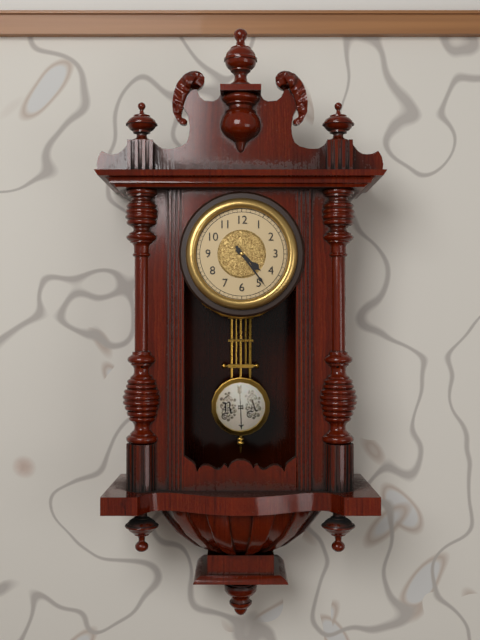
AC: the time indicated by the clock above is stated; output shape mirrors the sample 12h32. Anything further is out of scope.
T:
4h24
